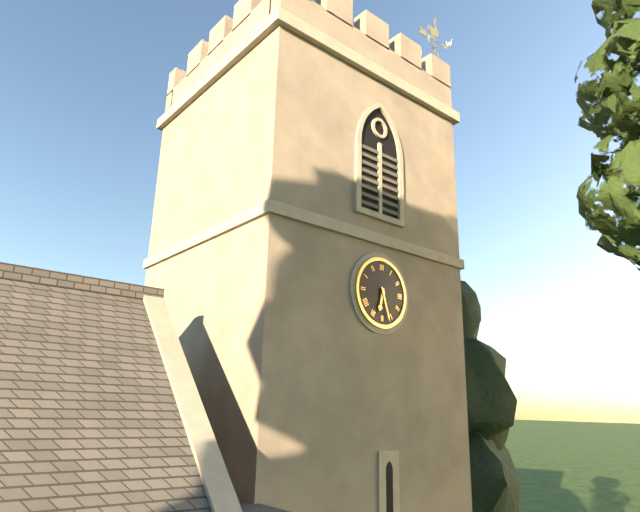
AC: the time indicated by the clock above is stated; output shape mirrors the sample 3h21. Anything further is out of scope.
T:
6h27
